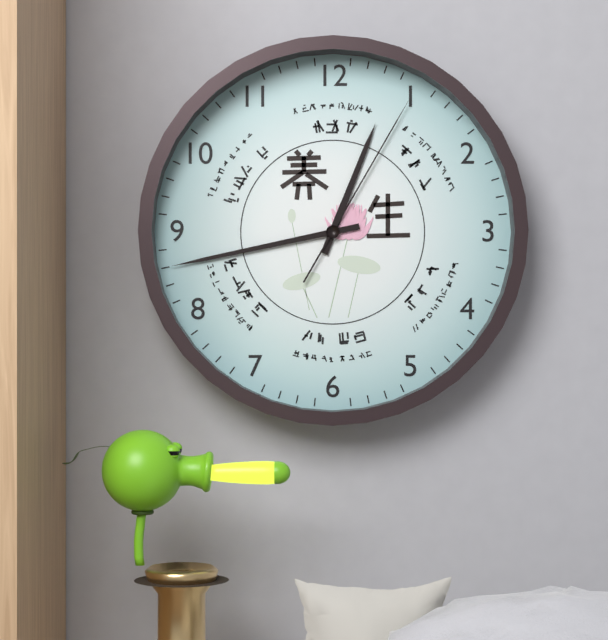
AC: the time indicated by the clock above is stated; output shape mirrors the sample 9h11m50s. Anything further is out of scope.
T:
12h43m05s
